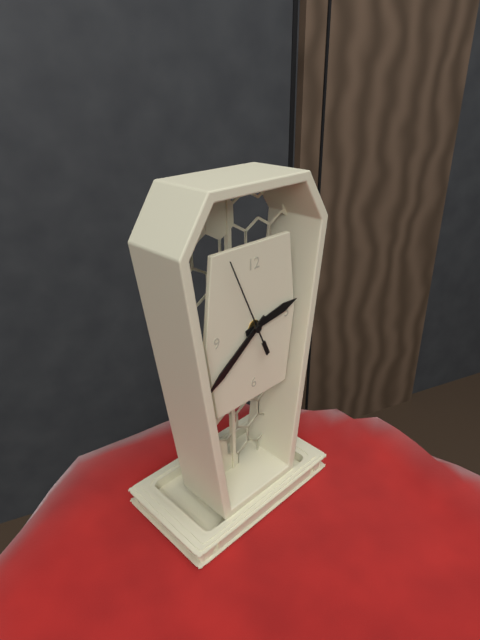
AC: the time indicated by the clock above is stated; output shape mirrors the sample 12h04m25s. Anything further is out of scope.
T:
2h39m56s
